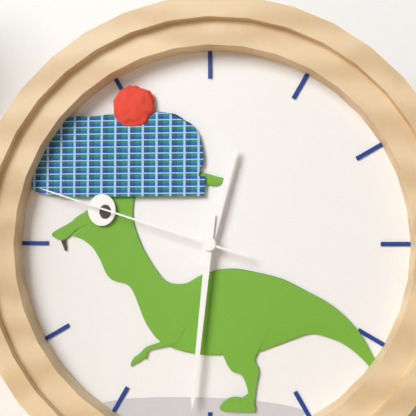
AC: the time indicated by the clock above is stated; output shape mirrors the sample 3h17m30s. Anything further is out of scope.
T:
12h31m48s
